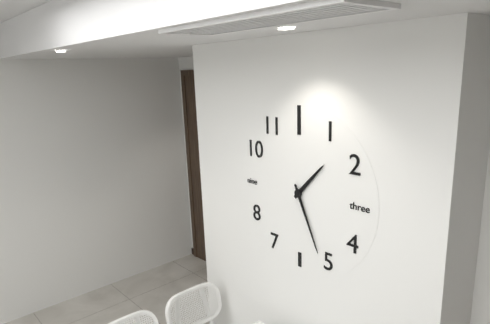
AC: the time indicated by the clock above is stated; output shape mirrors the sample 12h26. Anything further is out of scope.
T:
1h26
